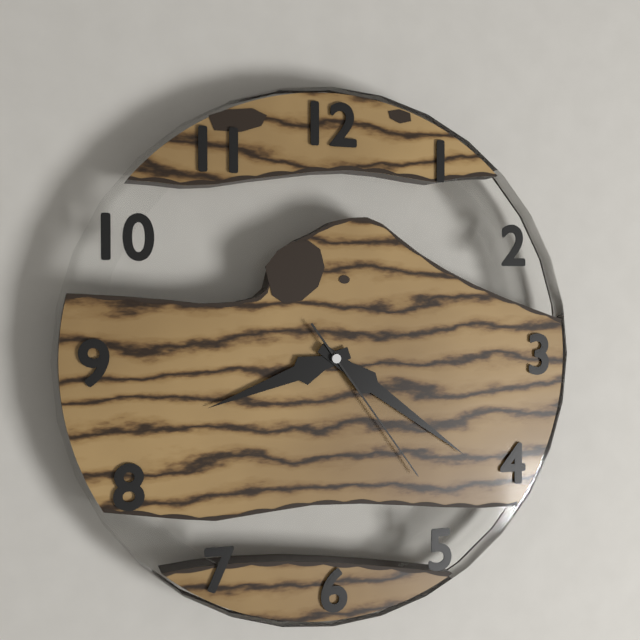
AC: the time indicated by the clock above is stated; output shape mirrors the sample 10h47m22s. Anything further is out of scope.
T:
8h21m24s
